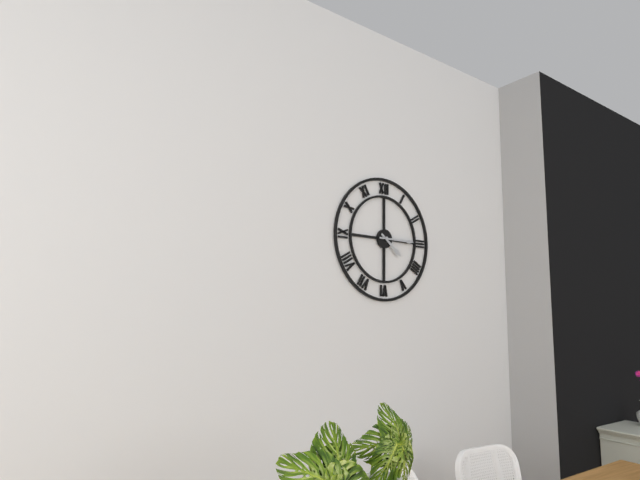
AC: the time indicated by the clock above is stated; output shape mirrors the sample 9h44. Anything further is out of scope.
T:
4h15
